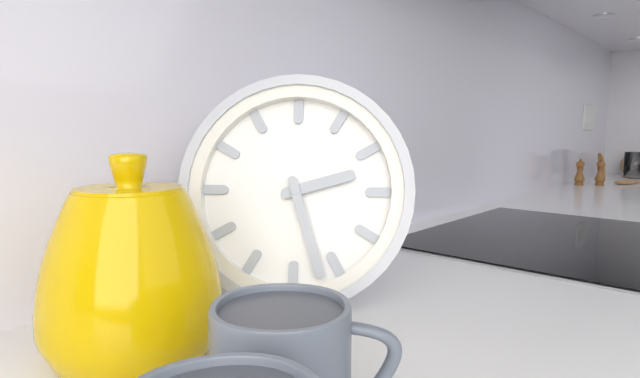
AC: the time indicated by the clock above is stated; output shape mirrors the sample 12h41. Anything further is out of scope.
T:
2h27
